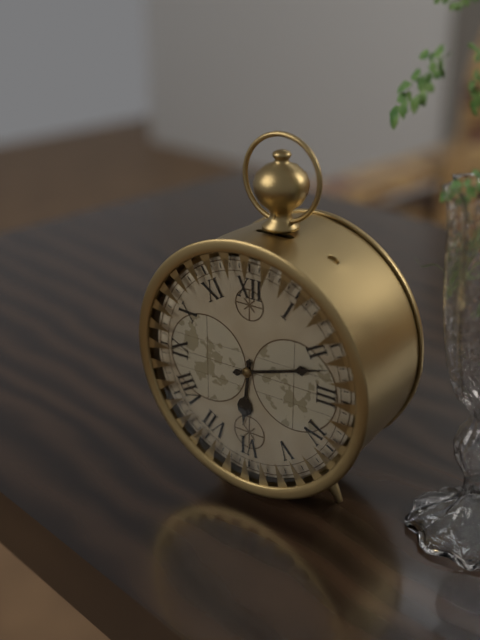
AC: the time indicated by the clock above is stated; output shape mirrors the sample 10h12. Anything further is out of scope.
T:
6h12
